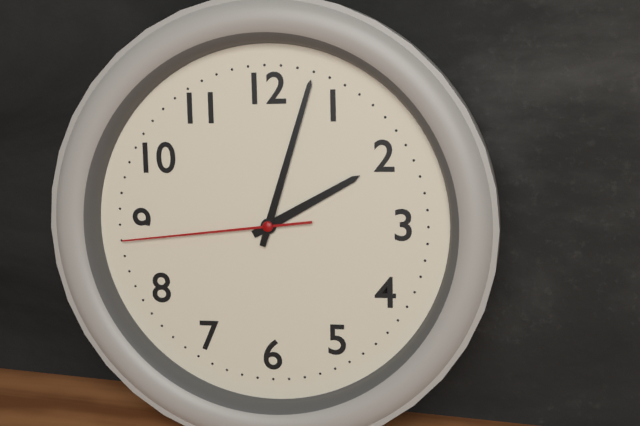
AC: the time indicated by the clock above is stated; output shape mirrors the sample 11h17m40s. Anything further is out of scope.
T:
2h03m44s
